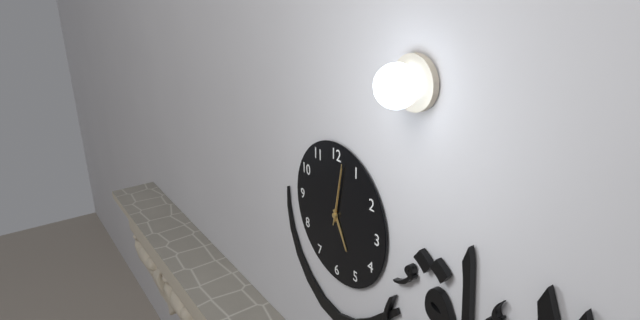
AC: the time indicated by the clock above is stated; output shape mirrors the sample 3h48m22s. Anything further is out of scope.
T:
5h02m02s
